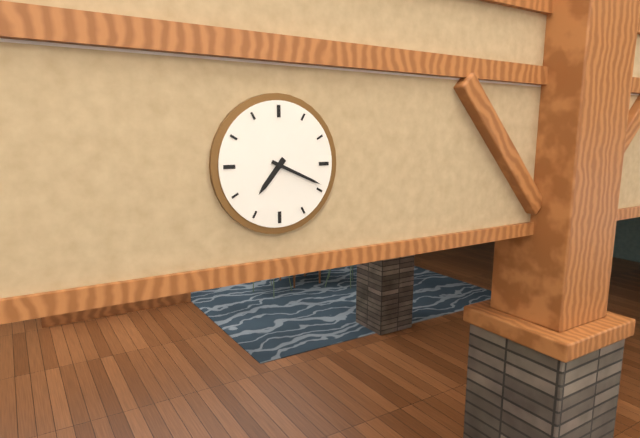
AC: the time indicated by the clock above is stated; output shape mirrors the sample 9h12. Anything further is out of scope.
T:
7h19
